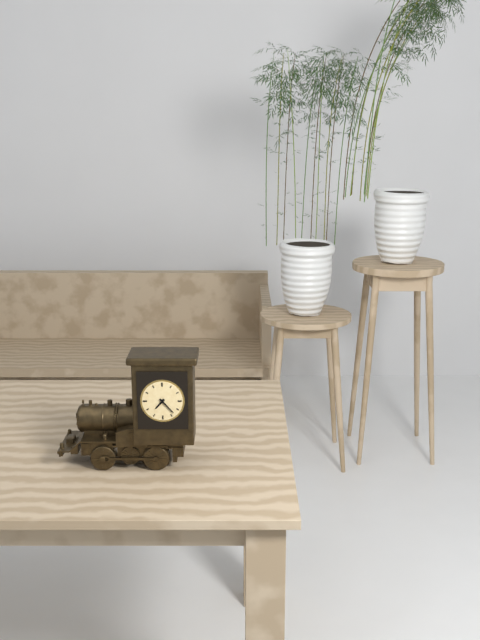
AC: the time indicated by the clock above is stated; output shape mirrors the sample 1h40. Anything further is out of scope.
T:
7h23
